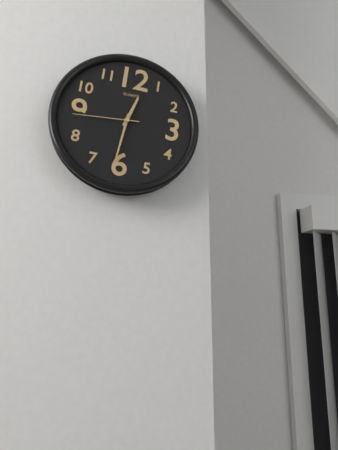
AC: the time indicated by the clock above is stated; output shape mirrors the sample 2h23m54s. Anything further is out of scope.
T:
12h31m44s
